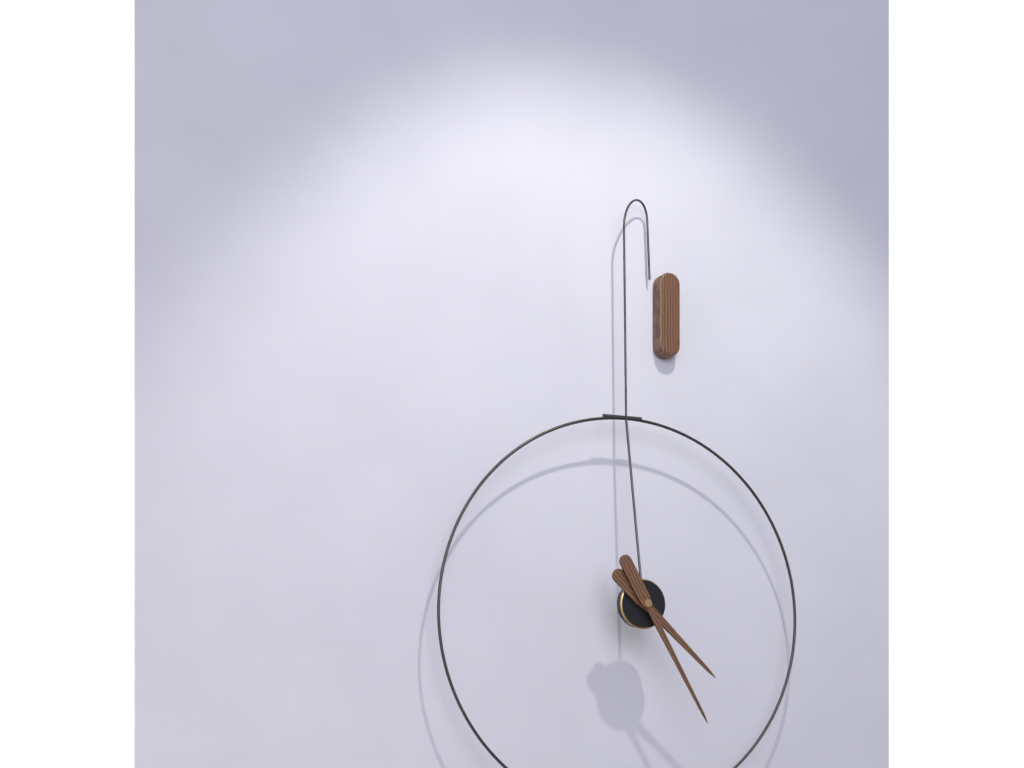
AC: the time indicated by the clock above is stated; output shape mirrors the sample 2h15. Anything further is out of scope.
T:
4h25
